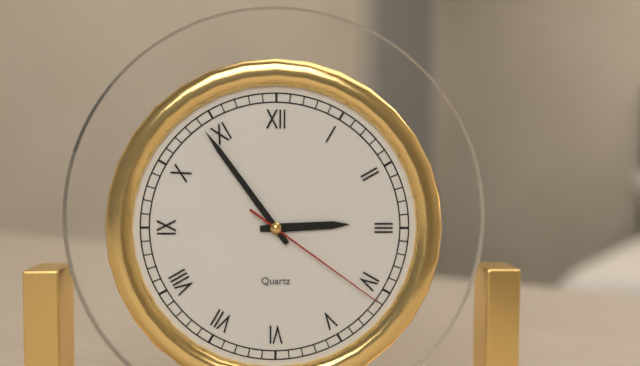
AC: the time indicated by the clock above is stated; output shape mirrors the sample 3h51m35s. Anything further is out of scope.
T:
2h54m21s
